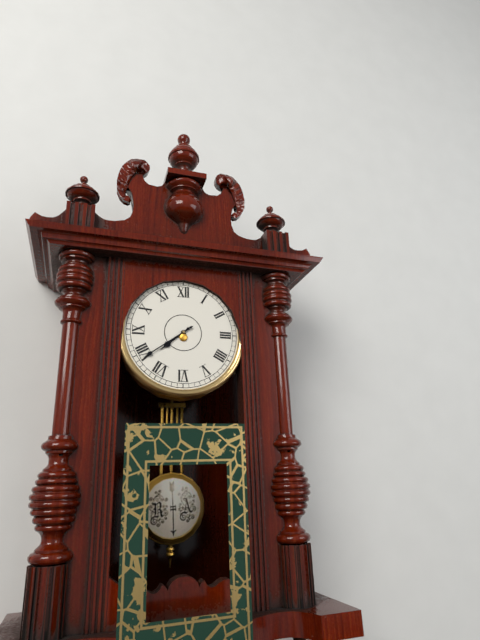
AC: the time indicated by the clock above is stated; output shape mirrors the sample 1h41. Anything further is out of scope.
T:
7h39
